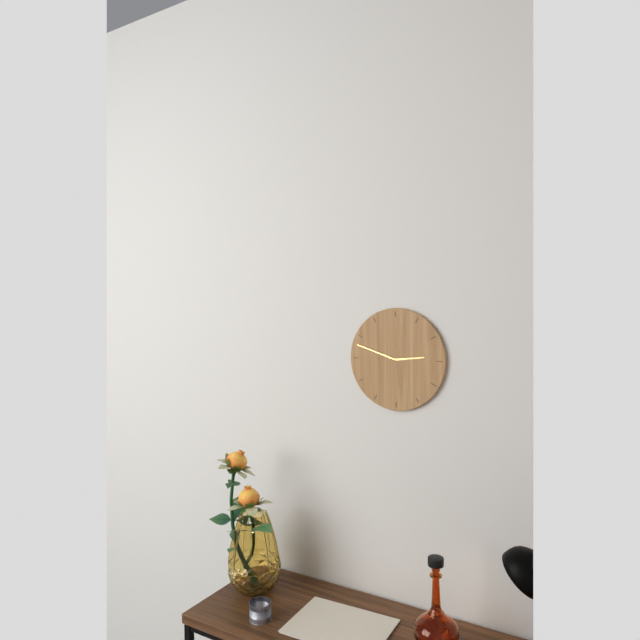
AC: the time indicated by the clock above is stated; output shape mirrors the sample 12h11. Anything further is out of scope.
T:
2h48
